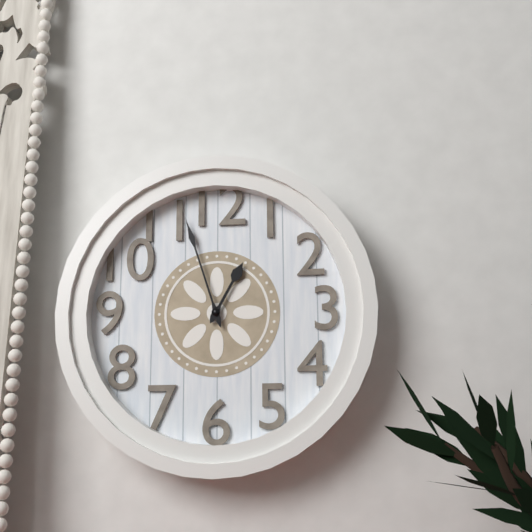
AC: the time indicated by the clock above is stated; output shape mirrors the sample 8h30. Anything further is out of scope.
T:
12h57
